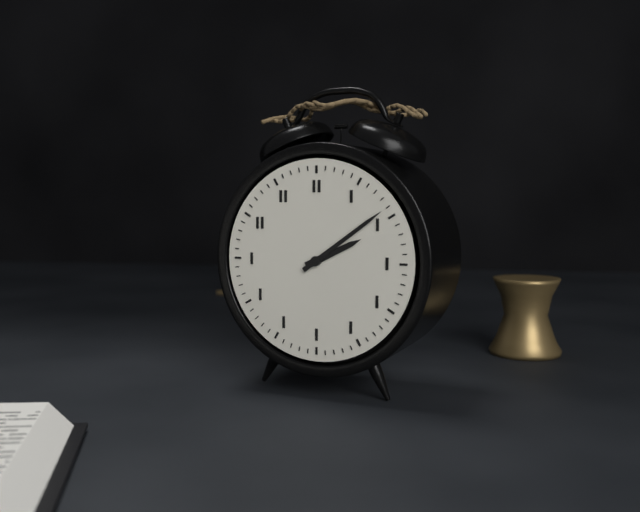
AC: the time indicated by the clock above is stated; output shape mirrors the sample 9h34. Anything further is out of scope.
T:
2h09
